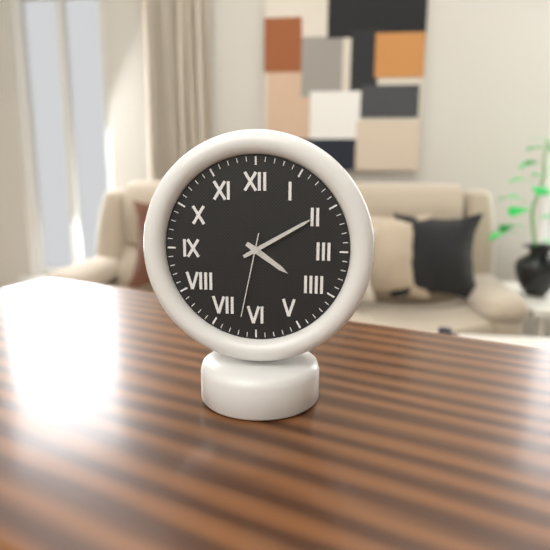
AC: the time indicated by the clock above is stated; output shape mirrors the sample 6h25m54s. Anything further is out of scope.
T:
4h10m32s
